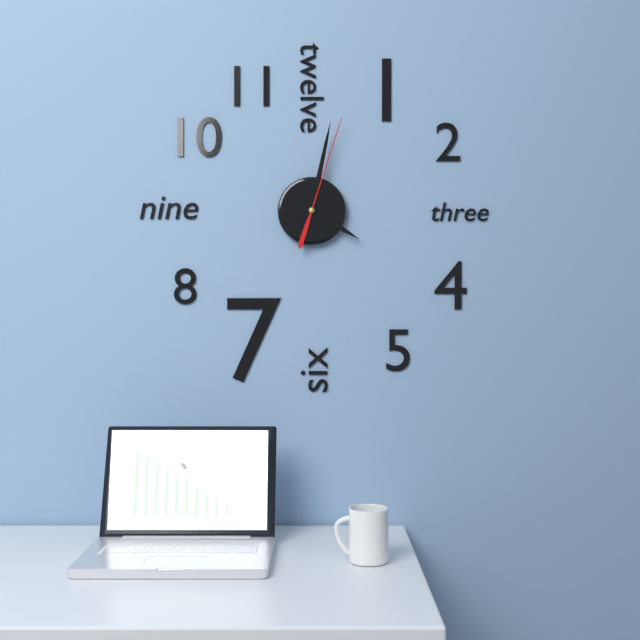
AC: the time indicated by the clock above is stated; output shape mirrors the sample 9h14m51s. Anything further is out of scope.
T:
4h02m03s
